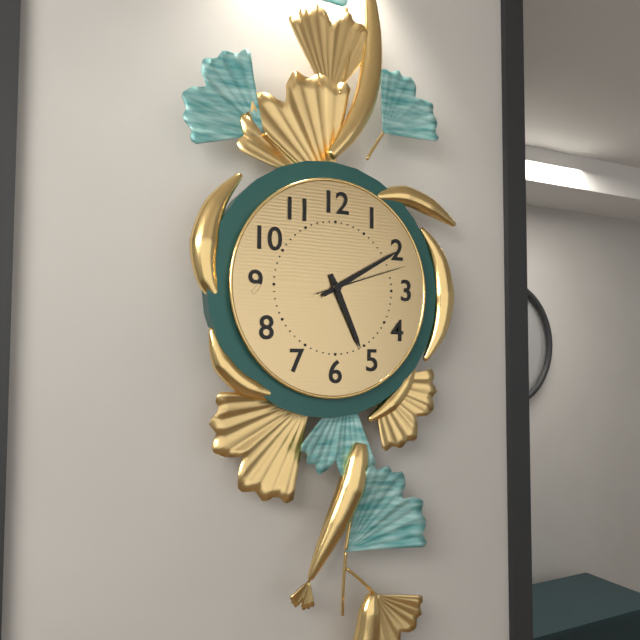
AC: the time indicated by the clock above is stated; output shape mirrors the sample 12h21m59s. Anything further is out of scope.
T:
5h10m12s
